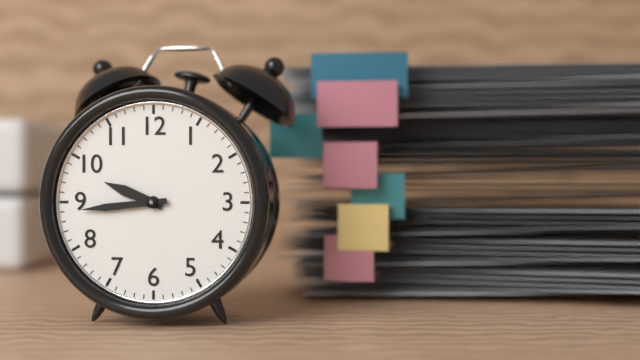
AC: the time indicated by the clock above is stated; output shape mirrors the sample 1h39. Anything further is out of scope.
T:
9h44
